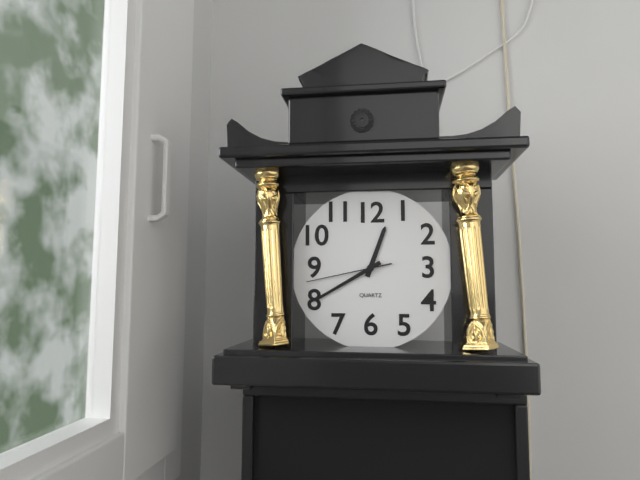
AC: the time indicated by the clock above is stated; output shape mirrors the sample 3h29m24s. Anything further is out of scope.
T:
12h40m43s
